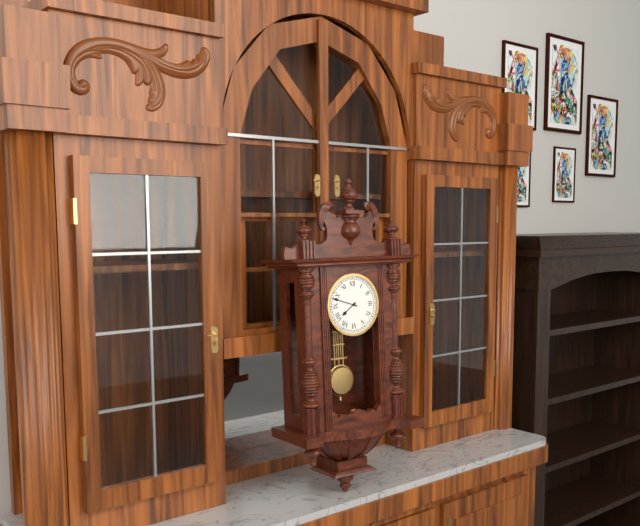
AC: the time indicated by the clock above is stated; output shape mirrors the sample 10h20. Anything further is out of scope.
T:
7h48
